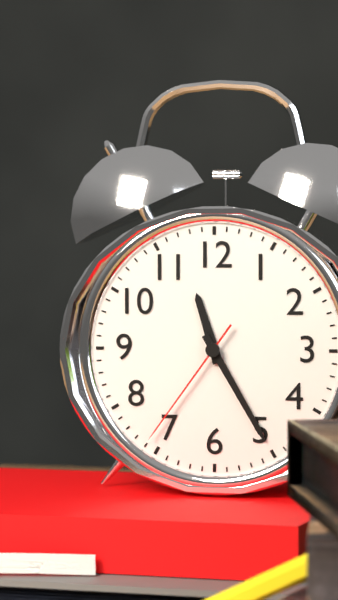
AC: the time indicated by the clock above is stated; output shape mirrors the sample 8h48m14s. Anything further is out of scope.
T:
11h25m36s
